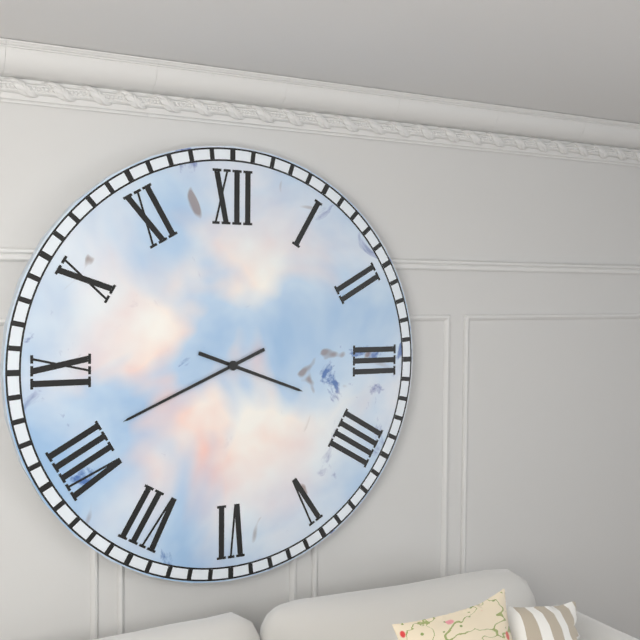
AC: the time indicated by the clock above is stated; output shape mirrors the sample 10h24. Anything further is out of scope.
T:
3h41
